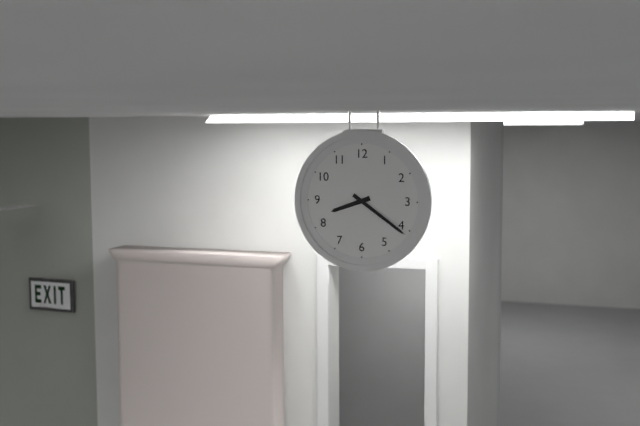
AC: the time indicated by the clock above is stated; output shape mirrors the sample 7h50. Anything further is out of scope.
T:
8h21
